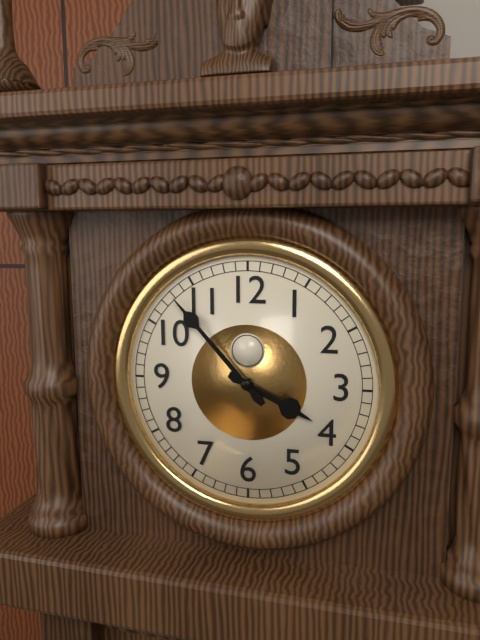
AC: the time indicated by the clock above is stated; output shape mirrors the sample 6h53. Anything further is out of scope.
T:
3h53
